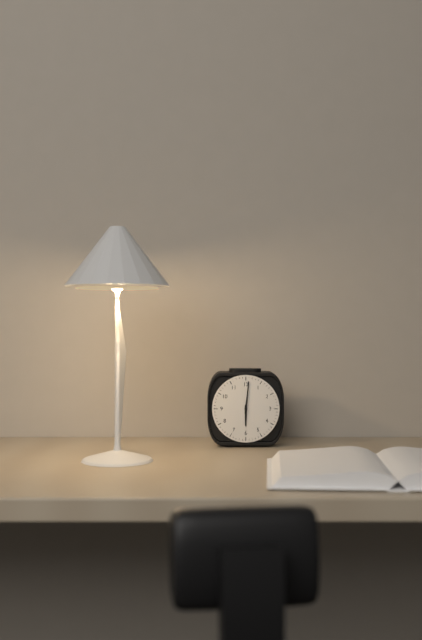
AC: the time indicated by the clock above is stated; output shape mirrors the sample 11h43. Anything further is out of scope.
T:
6h01
